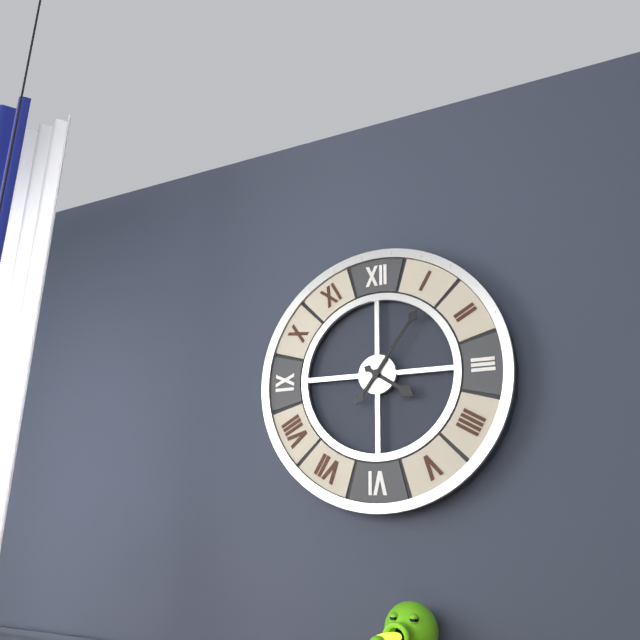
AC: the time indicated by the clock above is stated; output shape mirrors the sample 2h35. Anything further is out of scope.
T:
4h06
